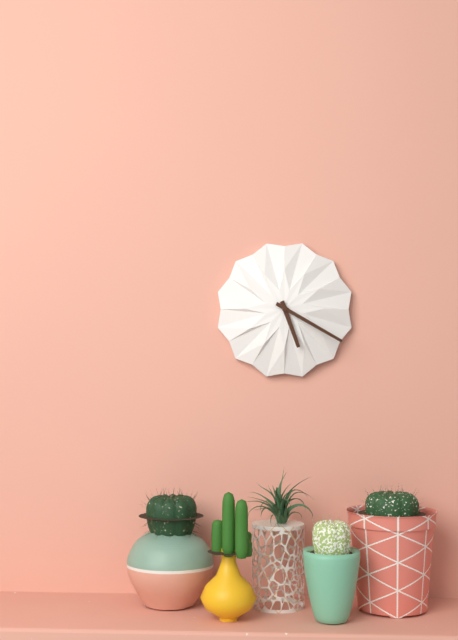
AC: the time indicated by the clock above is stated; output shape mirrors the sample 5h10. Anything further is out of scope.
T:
5h20
